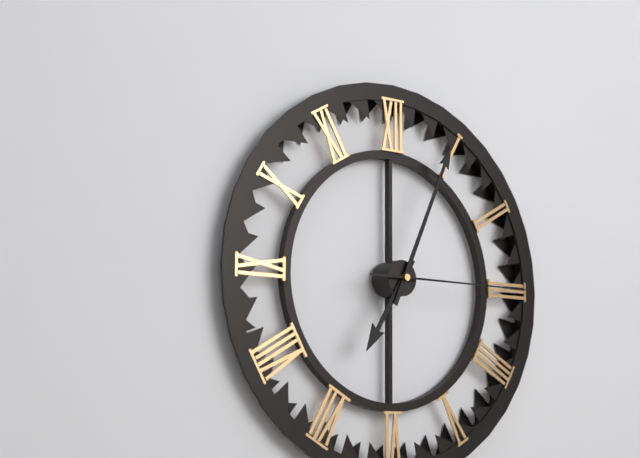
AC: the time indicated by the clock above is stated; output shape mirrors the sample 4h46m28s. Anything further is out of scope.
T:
7h04m15s
